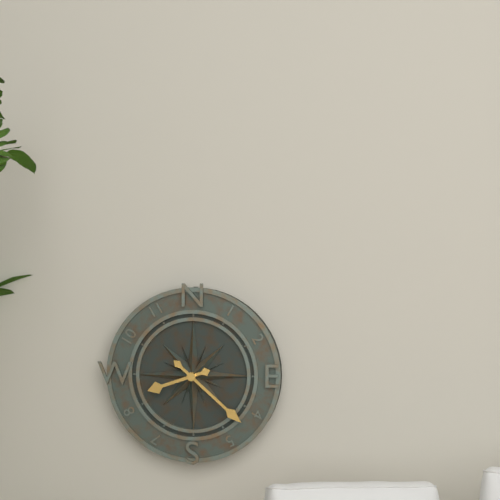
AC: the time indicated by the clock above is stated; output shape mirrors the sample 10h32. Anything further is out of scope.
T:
8h22
